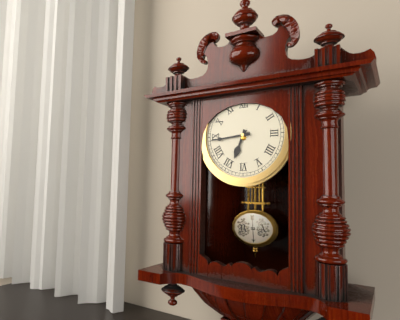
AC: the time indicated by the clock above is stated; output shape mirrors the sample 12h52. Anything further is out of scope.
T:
6h44
